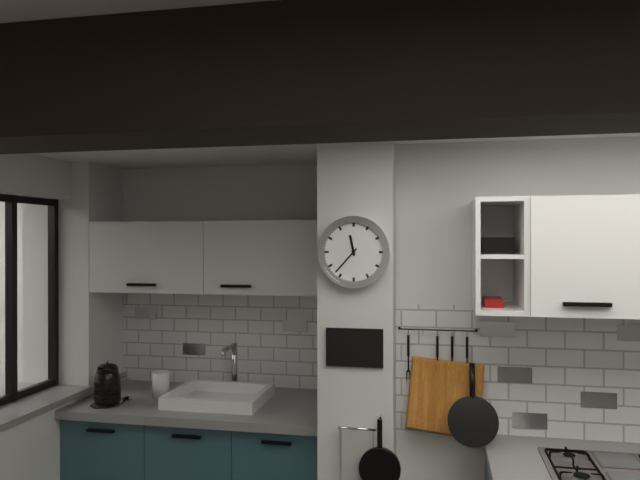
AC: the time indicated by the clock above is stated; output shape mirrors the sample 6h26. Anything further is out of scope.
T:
11h37
